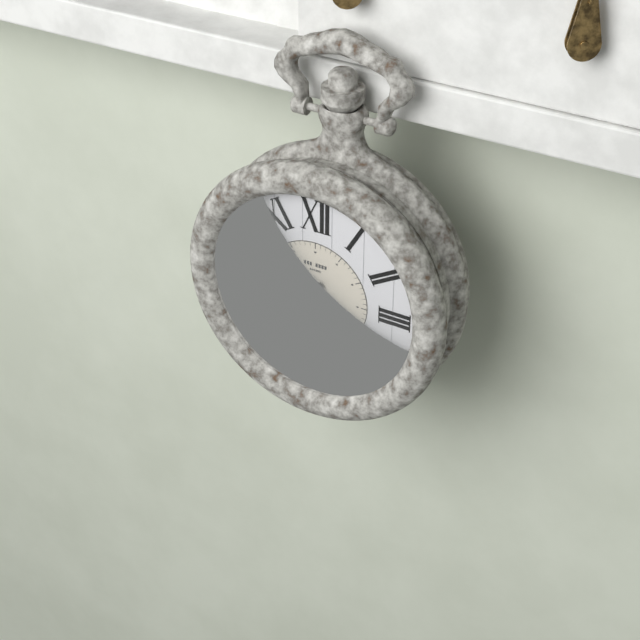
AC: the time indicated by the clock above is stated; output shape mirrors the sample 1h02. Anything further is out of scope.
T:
7h34
